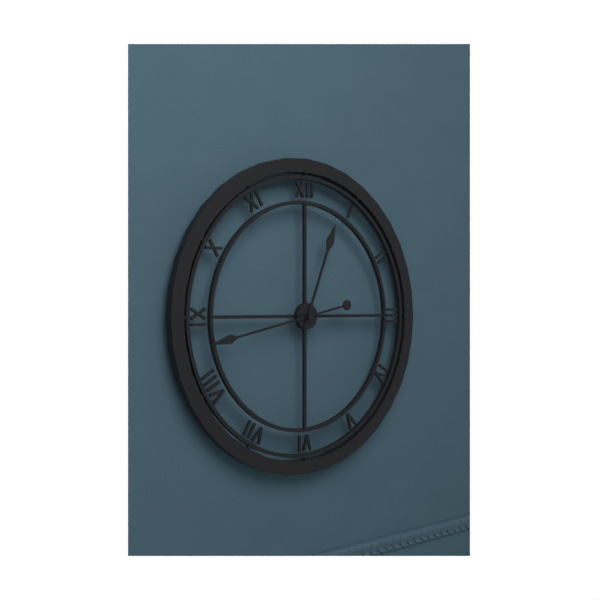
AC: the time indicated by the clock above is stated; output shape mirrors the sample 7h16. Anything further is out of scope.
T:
12h43
